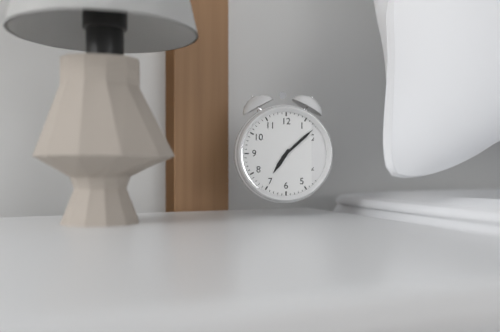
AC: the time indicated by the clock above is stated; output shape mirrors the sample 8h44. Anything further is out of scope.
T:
7h08
